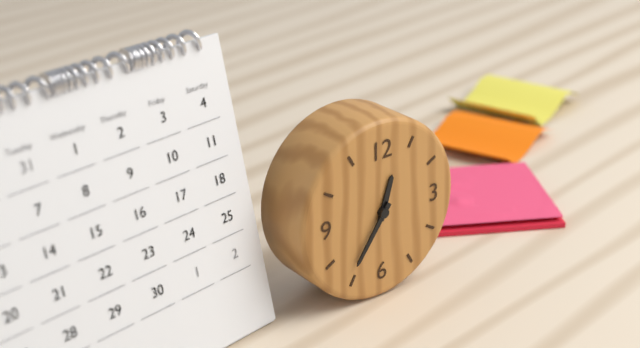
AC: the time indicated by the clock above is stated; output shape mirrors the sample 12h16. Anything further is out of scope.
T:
12h36
